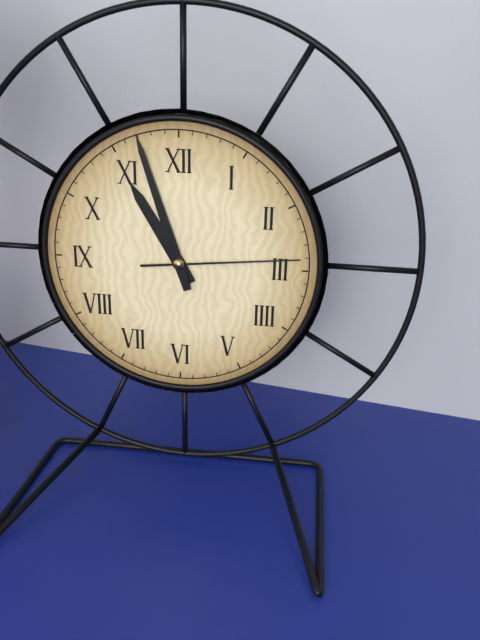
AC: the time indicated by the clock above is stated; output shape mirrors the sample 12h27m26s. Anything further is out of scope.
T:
10h57m14s
